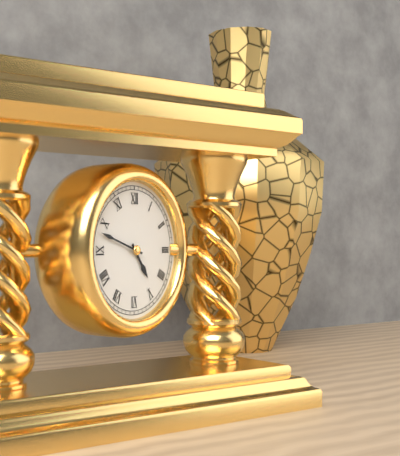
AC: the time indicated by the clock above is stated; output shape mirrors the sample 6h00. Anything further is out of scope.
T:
4h48
